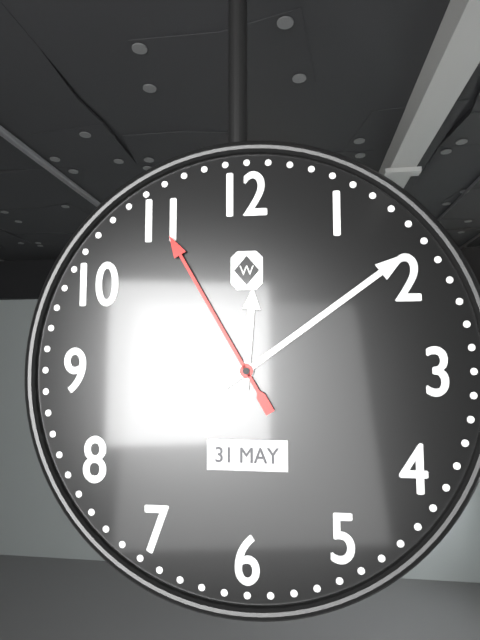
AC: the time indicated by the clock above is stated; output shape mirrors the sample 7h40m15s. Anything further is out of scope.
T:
12h09m55s
